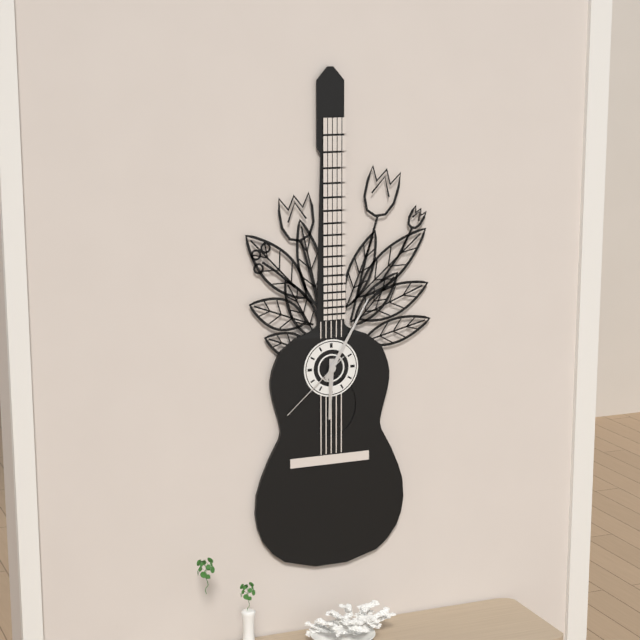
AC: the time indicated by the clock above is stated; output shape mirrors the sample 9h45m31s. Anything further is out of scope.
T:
6h05m38s
